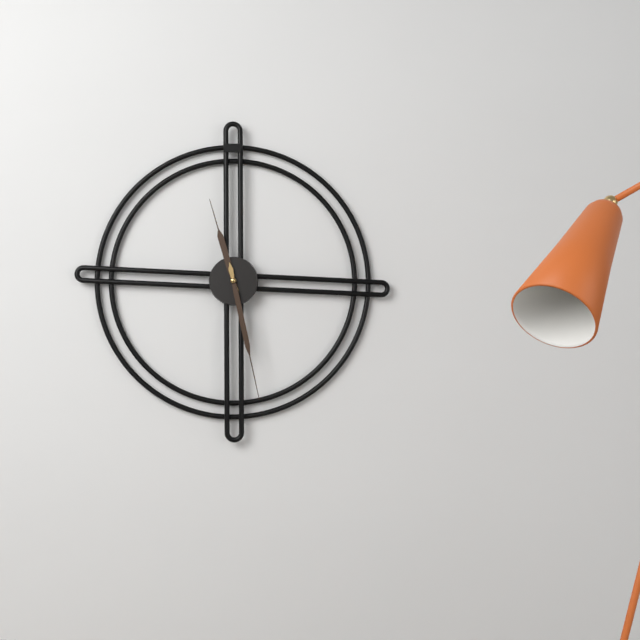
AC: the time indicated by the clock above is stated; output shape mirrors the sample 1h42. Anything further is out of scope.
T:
11h28
